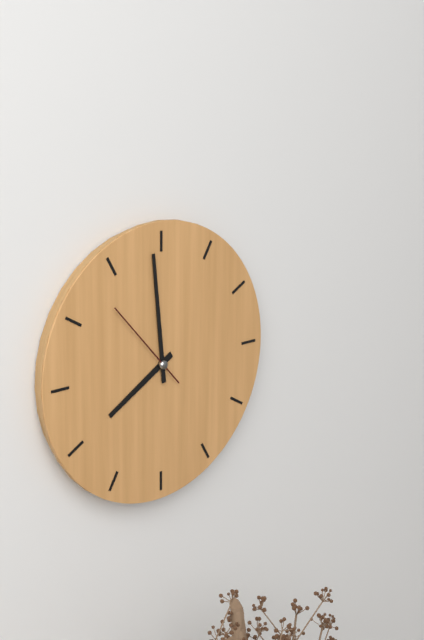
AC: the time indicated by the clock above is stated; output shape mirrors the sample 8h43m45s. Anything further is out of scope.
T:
7h59m53s
